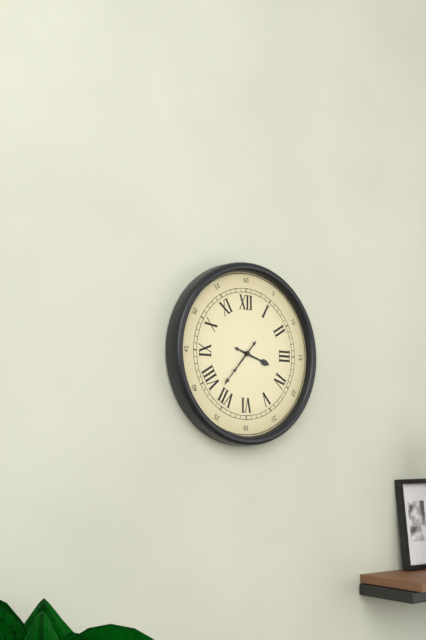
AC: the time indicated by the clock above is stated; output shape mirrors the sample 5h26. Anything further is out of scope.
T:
3h37
